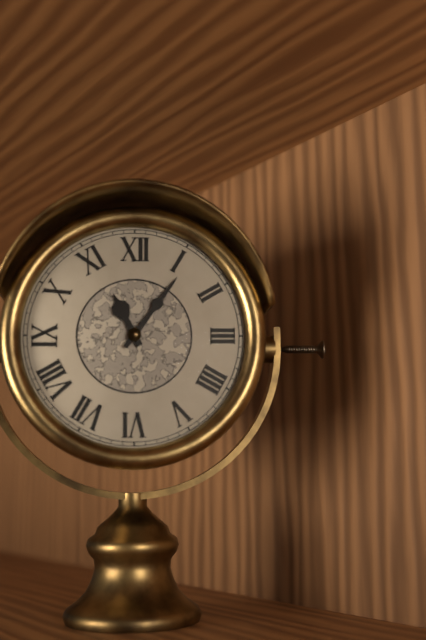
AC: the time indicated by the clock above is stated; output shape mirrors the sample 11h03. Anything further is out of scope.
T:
11h06
